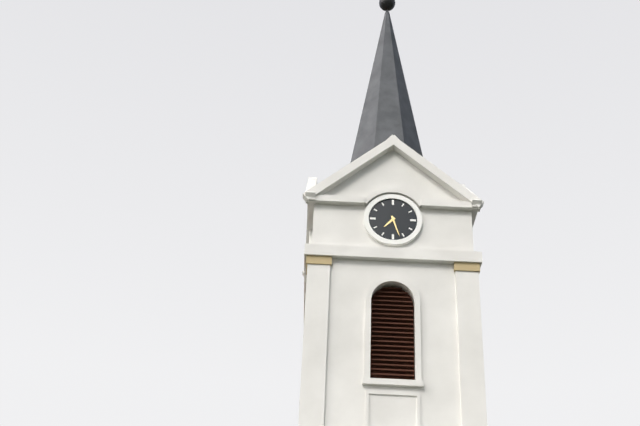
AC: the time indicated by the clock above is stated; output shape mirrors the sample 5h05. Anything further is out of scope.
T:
7h27
